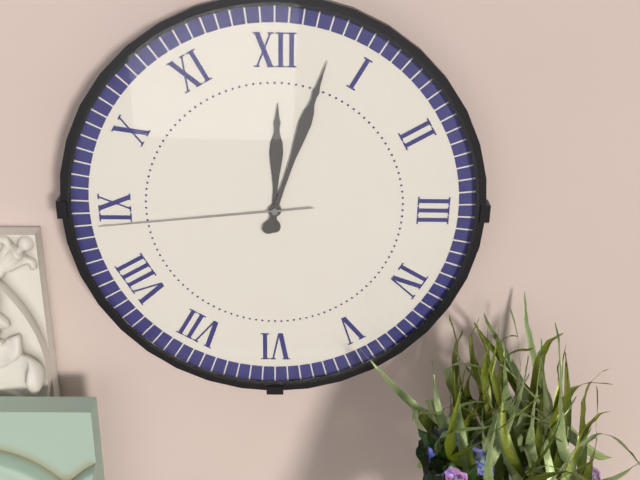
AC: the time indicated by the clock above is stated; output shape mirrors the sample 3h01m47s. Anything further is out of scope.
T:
12h03m44s
